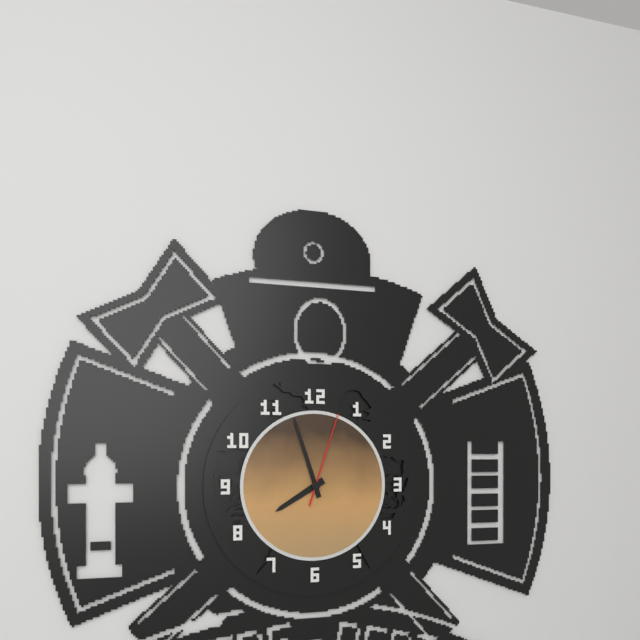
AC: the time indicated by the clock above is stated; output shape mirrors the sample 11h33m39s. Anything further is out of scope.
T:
7h57m03s
